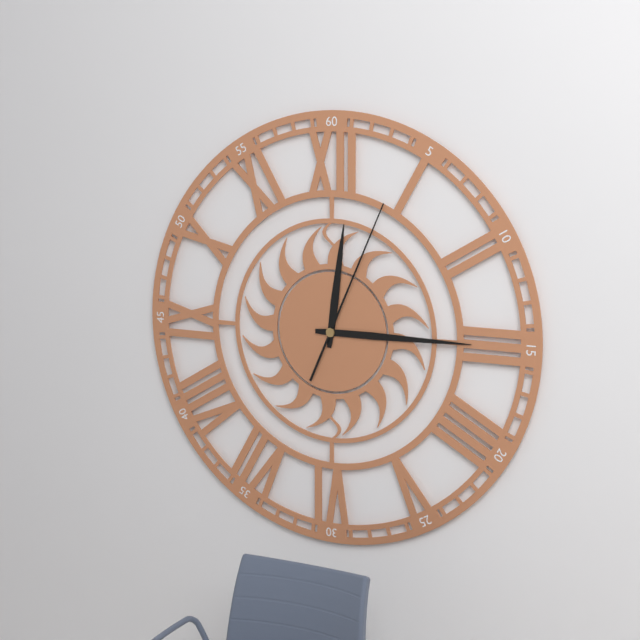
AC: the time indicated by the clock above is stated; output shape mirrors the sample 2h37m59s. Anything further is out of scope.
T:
12h15m04s
